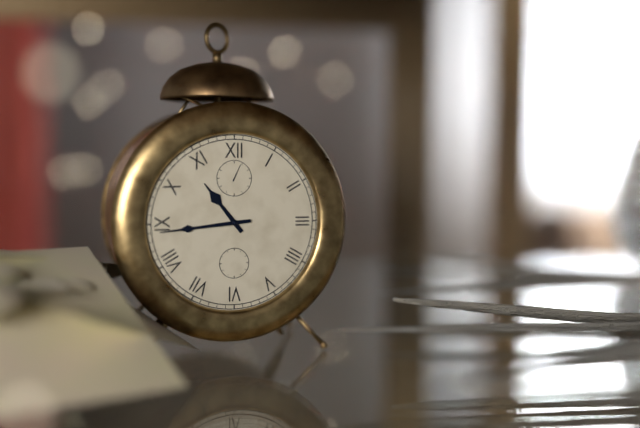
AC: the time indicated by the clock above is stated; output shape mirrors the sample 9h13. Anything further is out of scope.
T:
10h44
